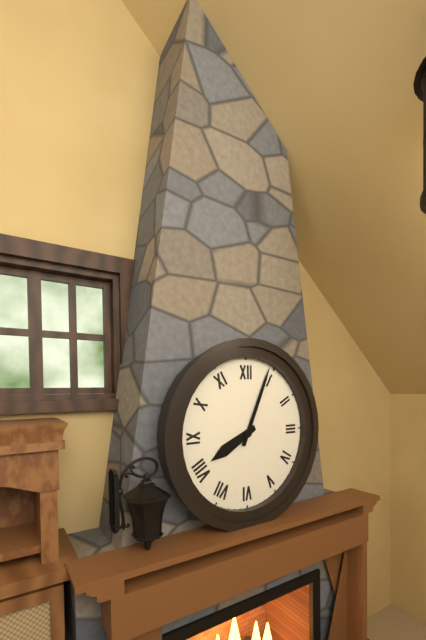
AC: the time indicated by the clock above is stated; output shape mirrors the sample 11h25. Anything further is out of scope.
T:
8h04
